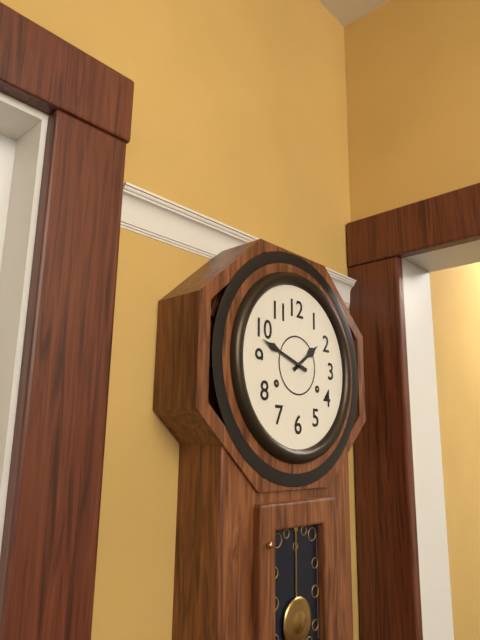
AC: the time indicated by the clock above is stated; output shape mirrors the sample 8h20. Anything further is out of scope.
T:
1h48
